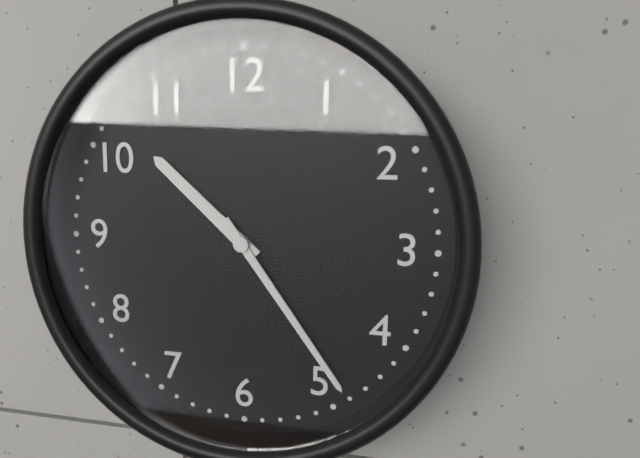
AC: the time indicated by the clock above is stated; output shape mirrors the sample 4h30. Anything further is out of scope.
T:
10h24
